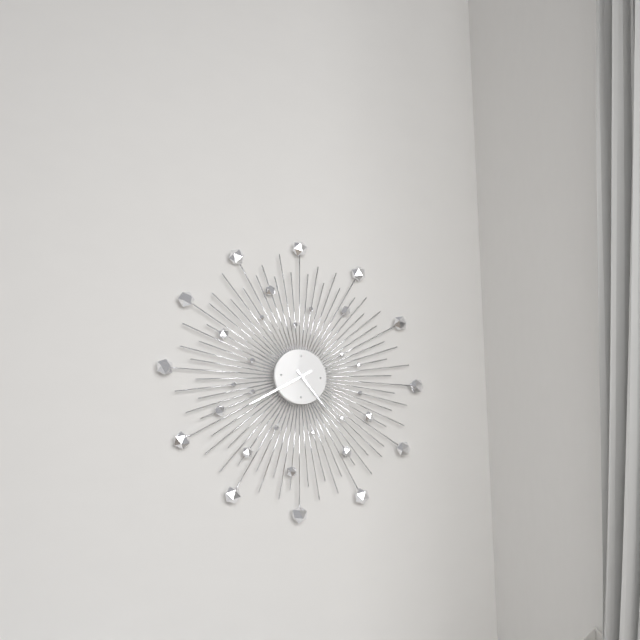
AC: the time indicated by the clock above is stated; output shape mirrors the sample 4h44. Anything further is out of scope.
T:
4h40
